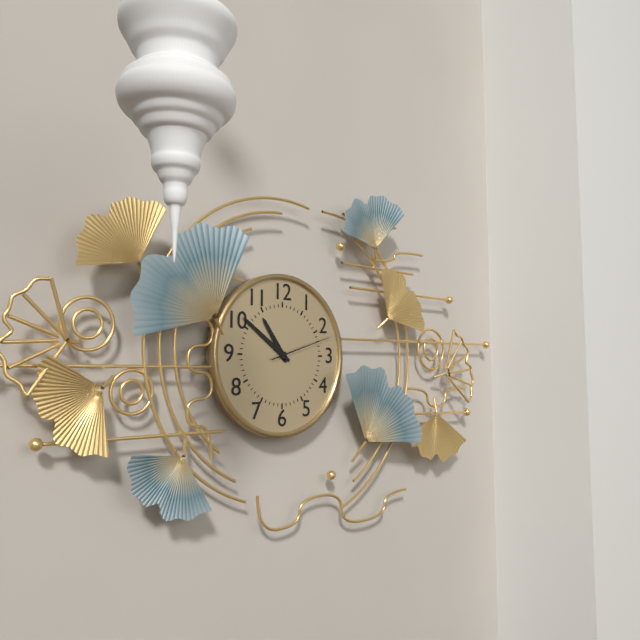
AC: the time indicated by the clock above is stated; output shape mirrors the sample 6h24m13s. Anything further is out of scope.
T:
10h51m12s
